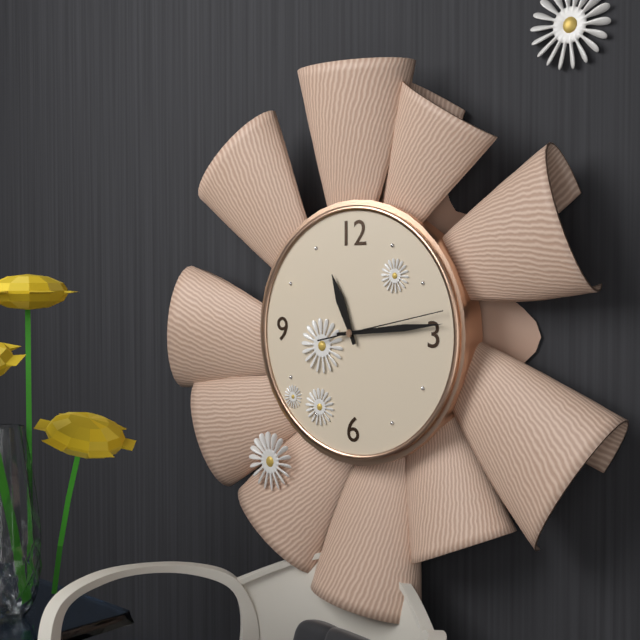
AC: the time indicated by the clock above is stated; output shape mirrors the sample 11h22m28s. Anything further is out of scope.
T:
11h14m13s
